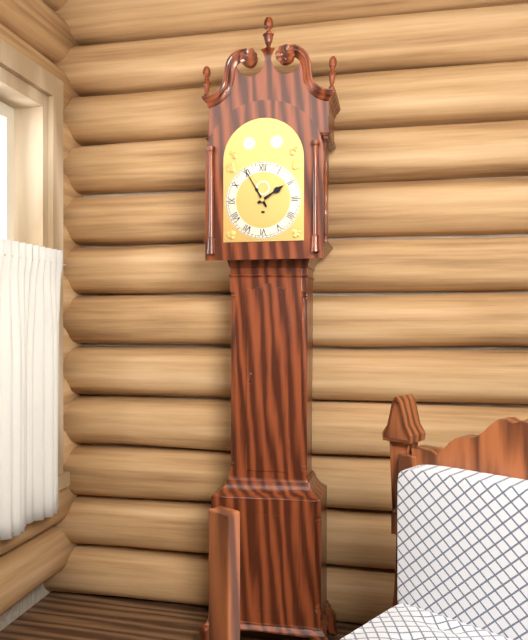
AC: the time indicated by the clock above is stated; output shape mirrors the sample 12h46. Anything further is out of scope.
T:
1h55
